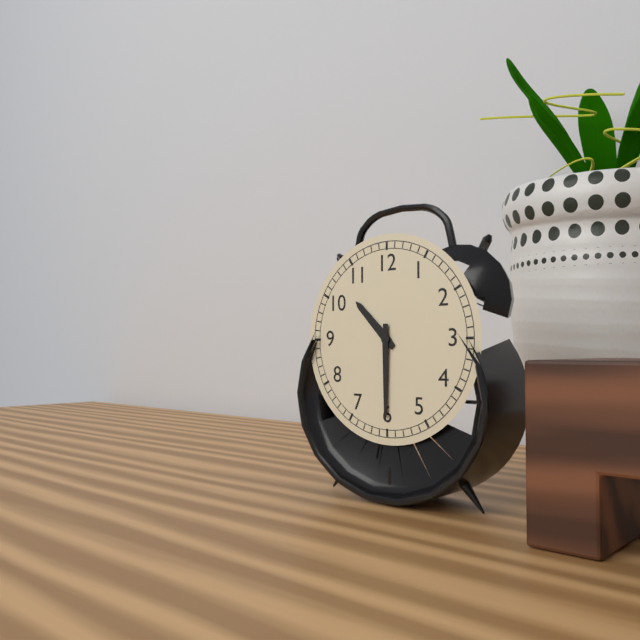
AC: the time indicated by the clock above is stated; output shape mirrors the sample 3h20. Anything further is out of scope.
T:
10h30
